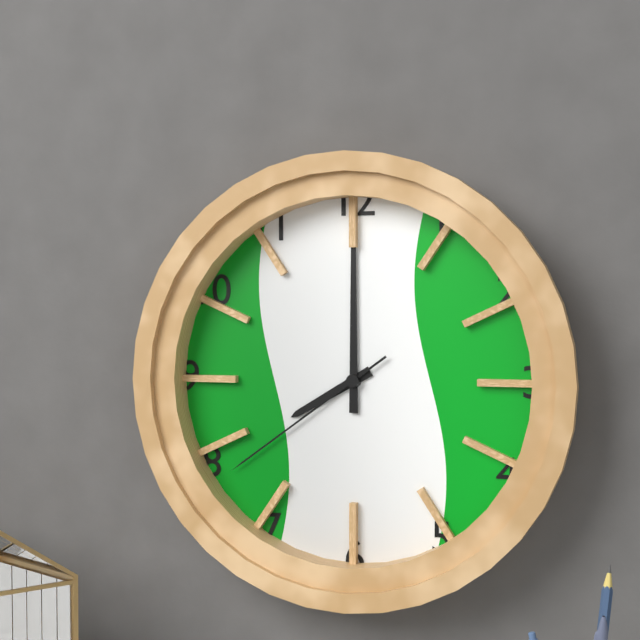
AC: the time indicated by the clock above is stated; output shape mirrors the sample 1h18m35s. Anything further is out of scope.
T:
8h00m39s
